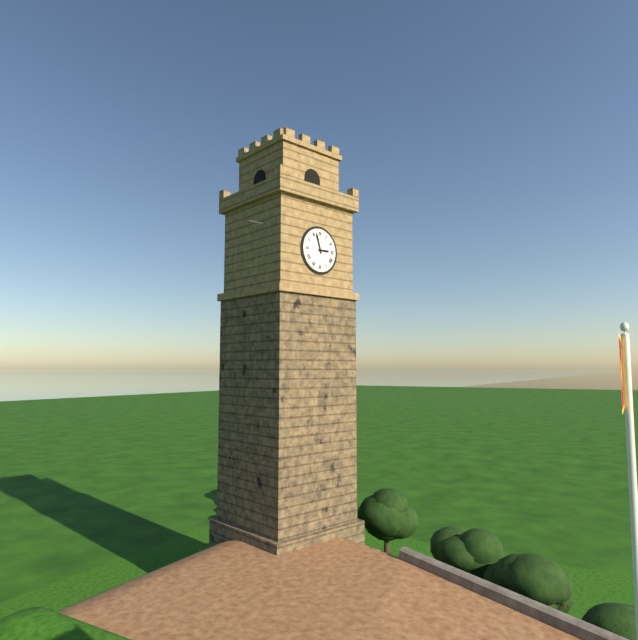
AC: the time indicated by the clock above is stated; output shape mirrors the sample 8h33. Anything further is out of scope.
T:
2h57
